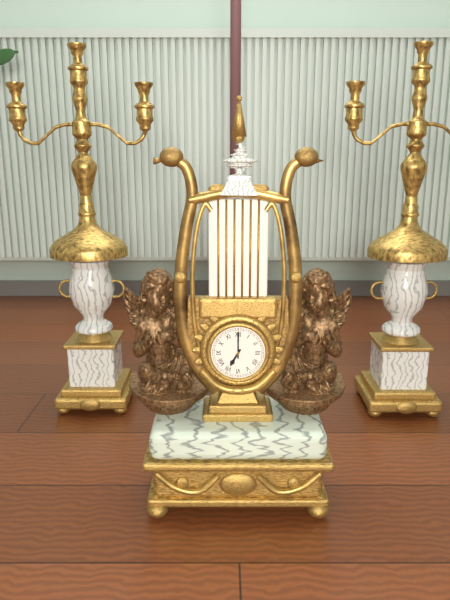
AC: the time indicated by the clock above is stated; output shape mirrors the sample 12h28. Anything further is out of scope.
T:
7h00
